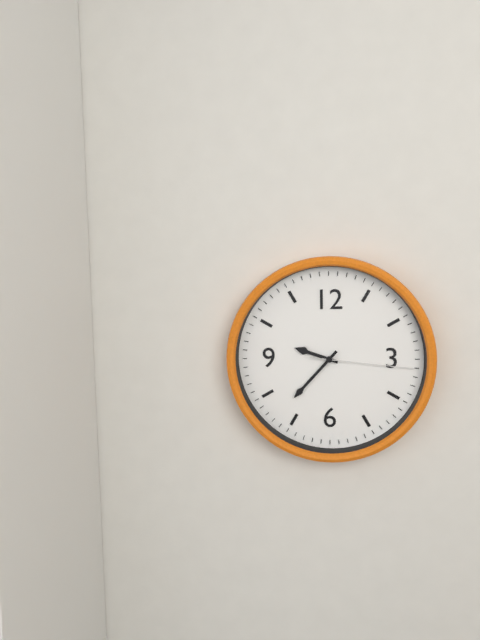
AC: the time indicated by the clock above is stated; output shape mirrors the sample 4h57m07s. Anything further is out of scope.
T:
9h37m16s
